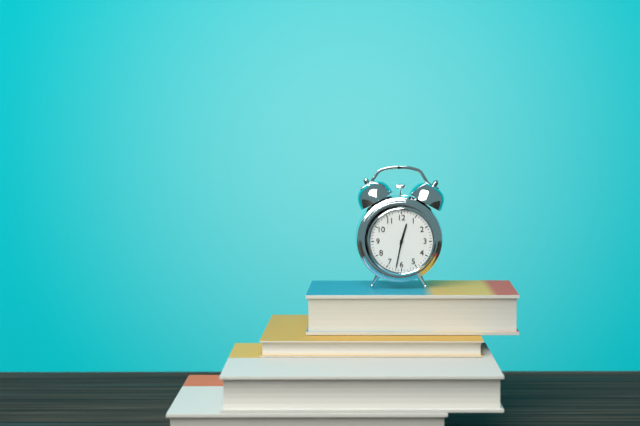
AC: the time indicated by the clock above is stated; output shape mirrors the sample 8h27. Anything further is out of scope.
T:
12h32
